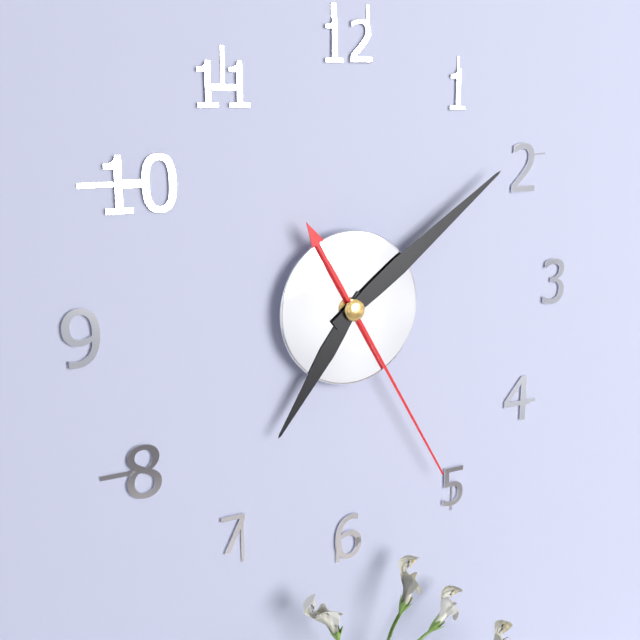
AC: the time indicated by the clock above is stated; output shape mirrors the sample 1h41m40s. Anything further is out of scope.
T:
7h09m25s
